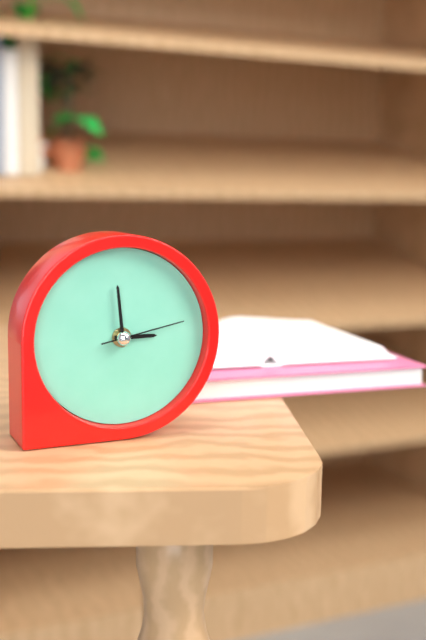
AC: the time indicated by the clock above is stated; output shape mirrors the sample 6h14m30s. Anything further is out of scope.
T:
2h59m13s
